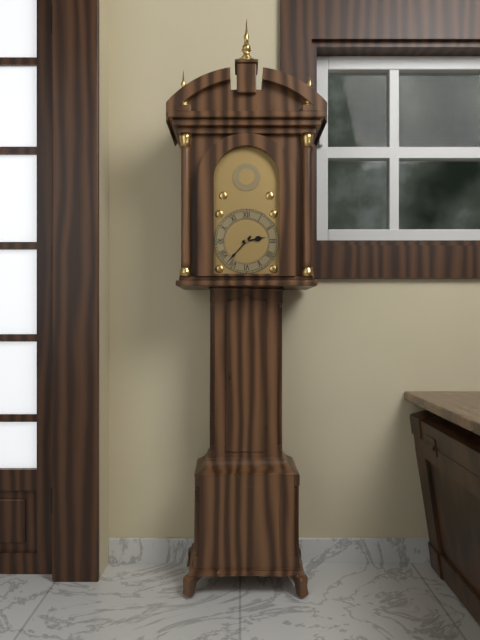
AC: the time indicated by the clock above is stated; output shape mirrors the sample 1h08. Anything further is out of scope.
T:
2h37
